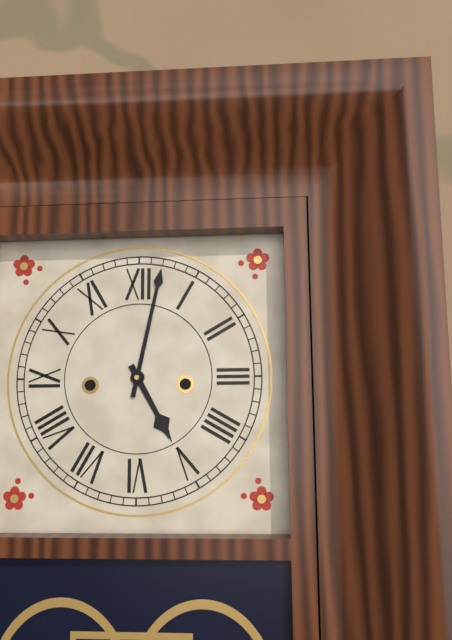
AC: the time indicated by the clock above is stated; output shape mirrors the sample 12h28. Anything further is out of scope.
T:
5h02
